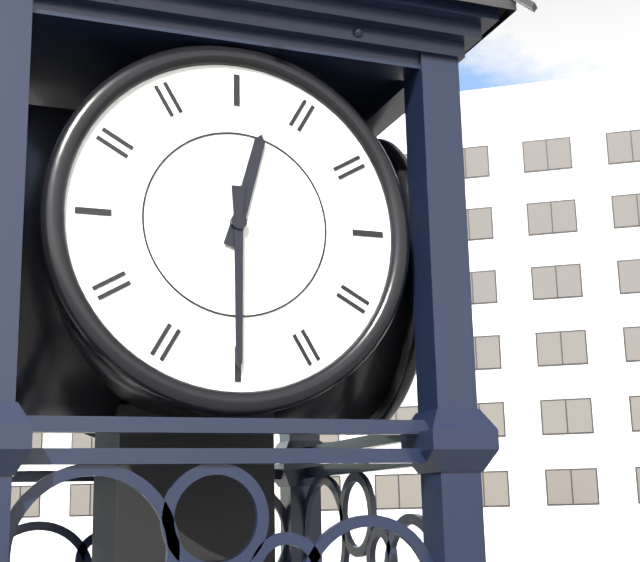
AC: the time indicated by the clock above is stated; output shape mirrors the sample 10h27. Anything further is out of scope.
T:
12h30
